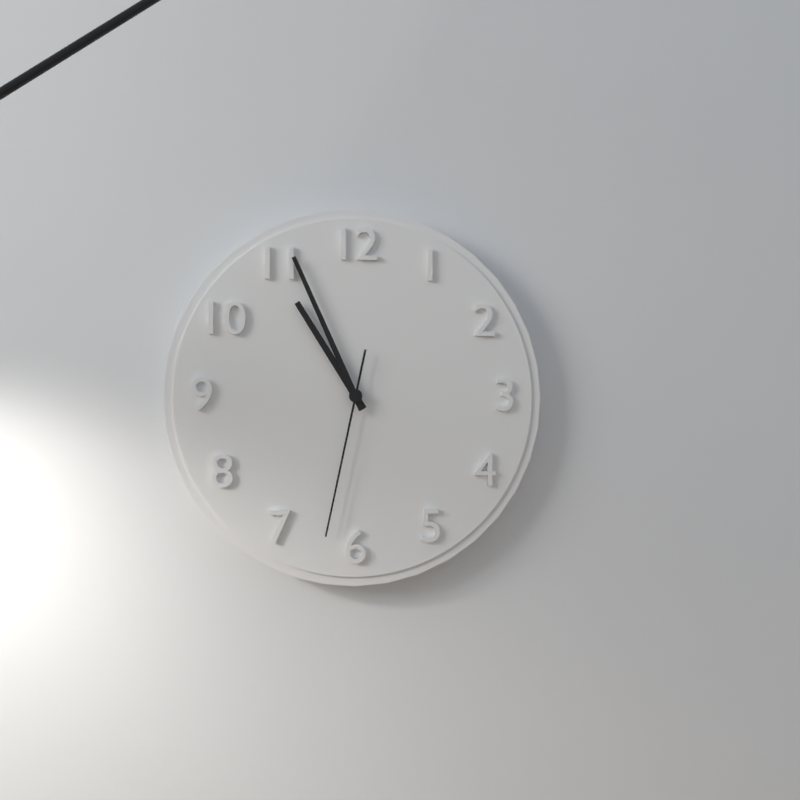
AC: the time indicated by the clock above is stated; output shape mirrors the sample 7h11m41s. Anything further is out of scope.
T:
10h56m32s
